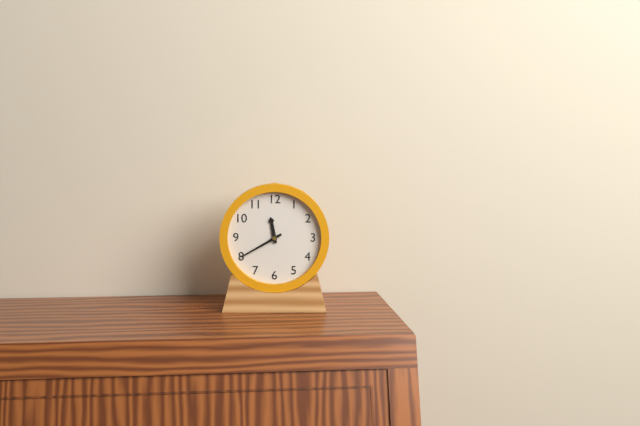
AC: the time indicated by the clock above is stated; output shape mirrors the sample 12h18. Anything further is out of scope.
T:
11h40
